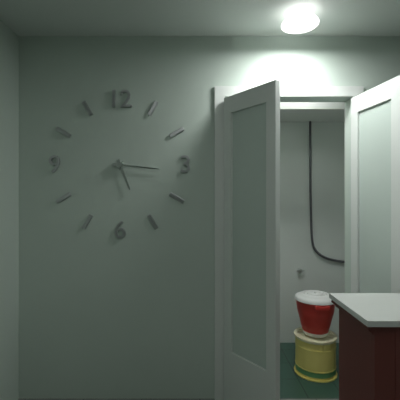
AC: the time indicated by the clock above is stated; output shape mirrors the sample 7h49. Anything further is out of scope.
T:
5h16
